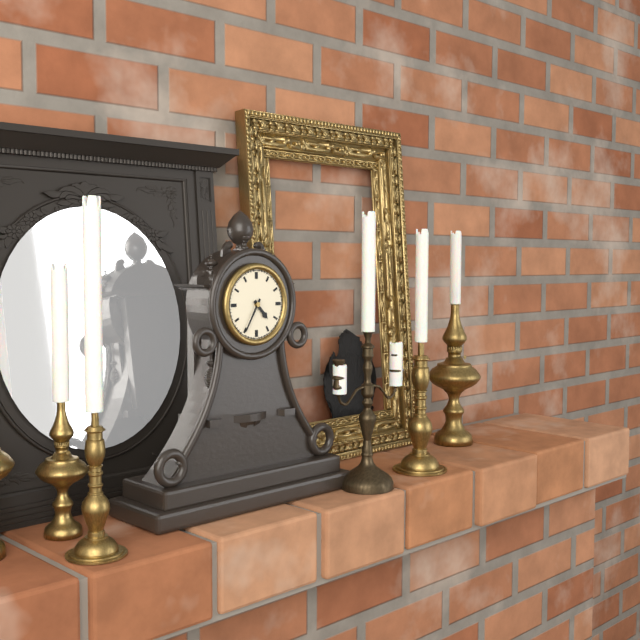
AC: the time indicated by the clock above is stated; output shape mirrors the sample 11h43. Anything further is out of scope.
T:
4h35
